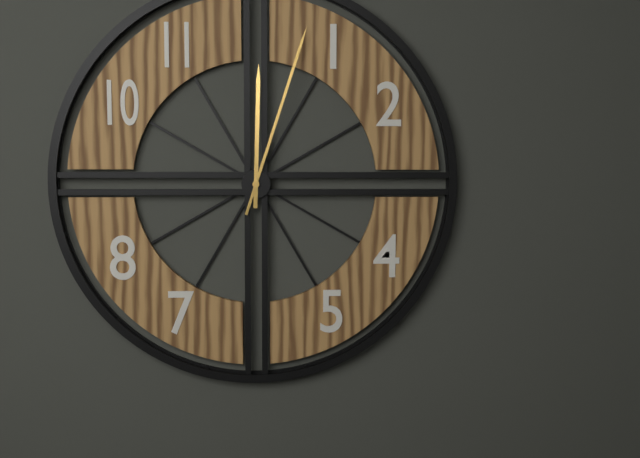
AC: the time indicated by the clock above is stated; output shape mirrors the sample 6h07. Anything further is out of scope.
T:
12h03
